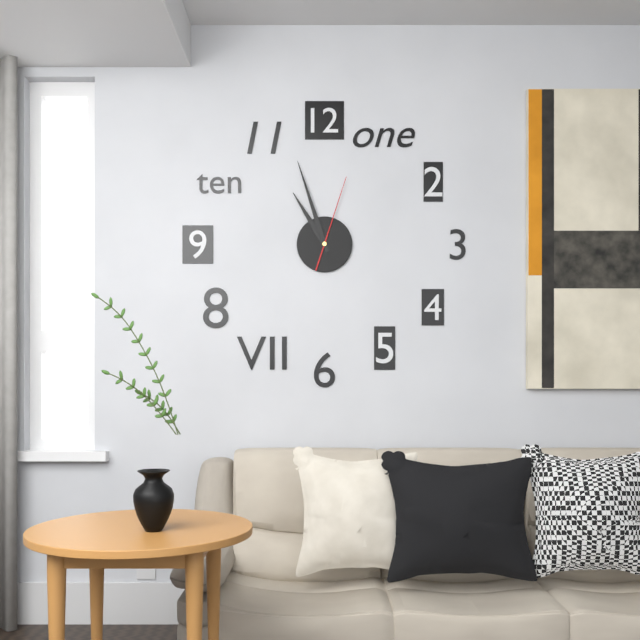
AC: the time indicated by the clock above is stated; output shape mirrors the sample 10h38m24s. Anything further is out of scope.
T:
10h57m03s
